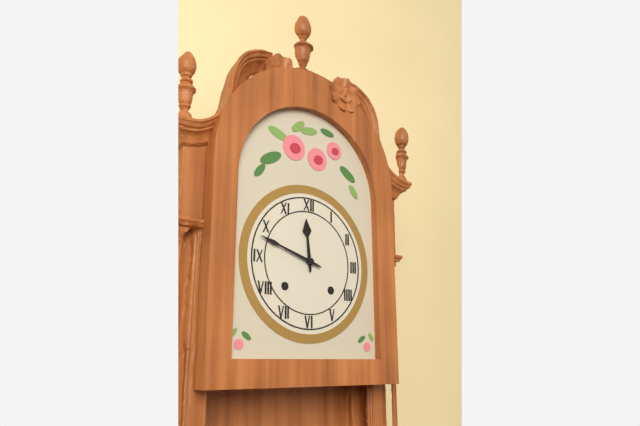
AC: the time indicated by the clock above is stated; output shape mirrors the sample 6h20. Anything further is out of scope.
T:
11h48
